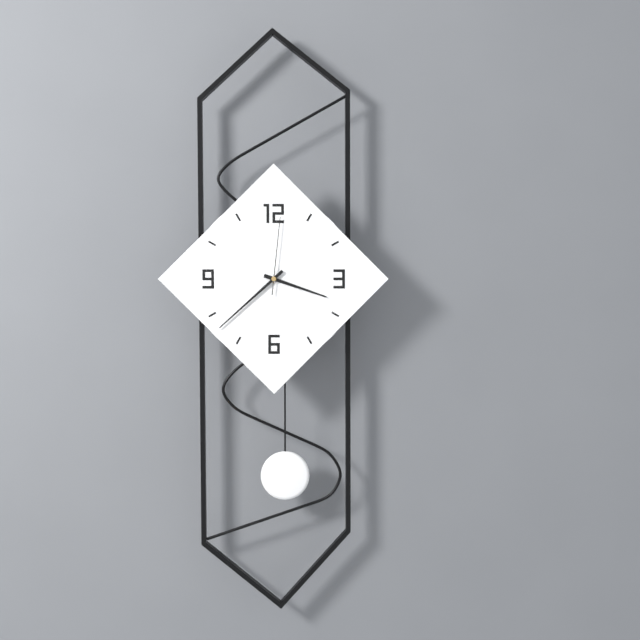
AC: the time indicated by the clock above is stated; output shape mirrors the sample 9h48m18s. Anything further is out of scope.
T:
3h38m01s
